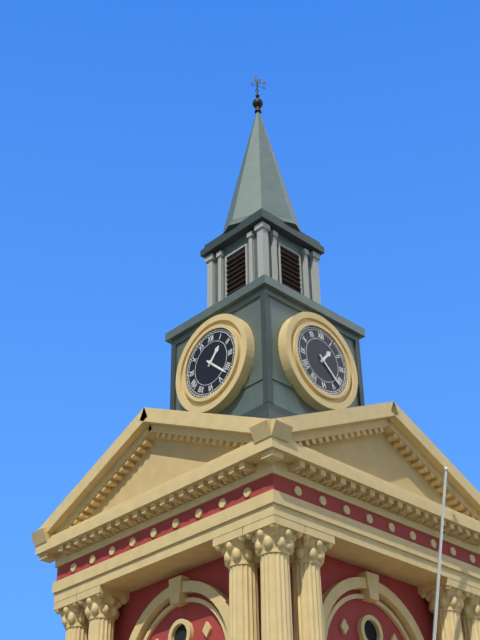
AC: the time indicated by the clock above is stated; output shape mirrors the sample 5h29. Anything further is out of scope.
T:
1h22
